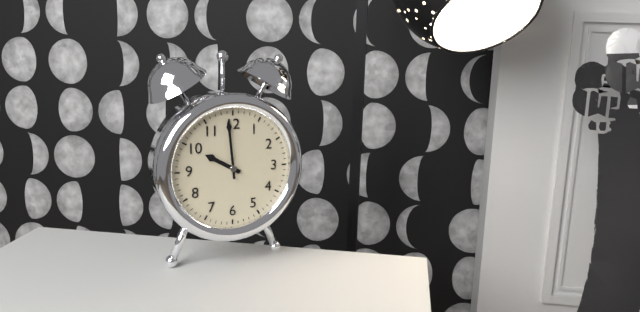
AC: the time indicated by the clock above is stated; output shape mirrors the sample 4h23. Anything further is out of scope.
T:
9h59
